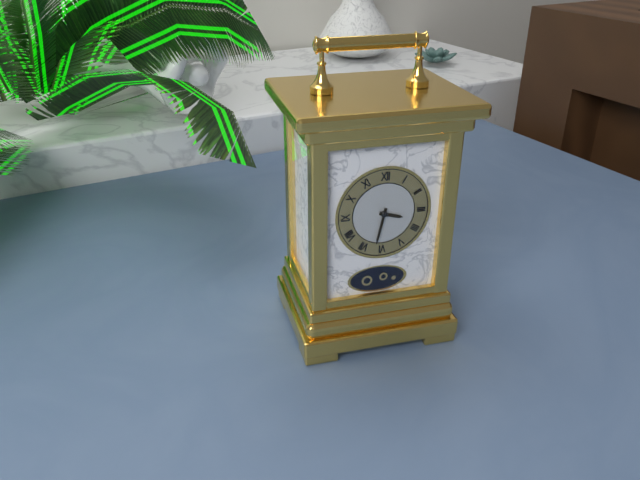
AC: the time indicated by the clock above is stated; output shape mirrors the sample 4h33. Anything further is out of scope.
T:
3h32
